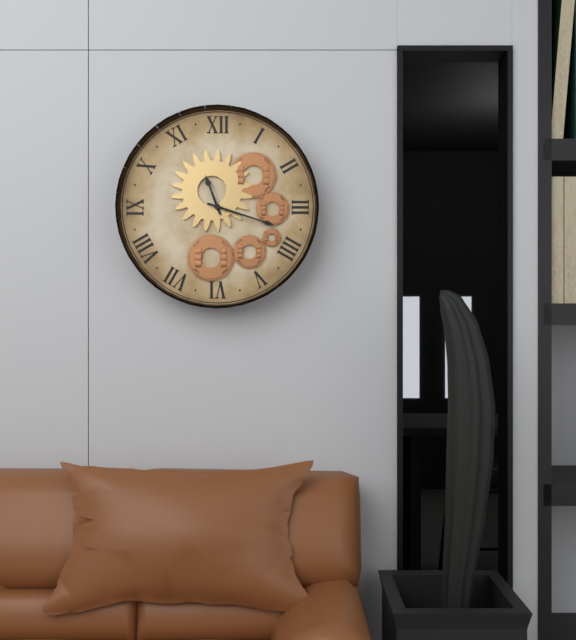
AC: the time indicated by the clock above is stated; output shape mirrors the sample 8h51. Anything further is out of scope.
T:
11h18
